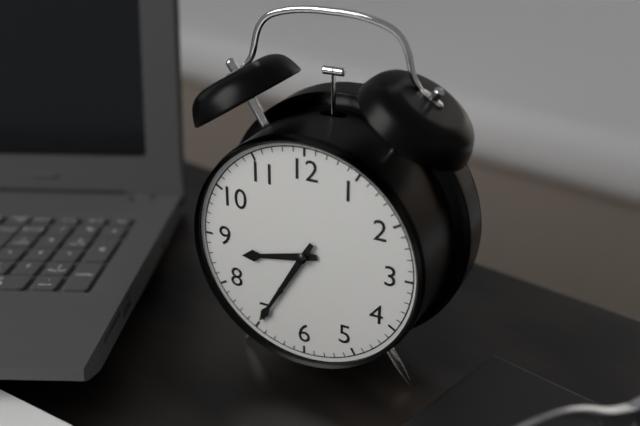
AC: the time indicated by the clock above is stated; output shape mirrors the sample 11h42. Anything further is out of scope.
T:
8h35
